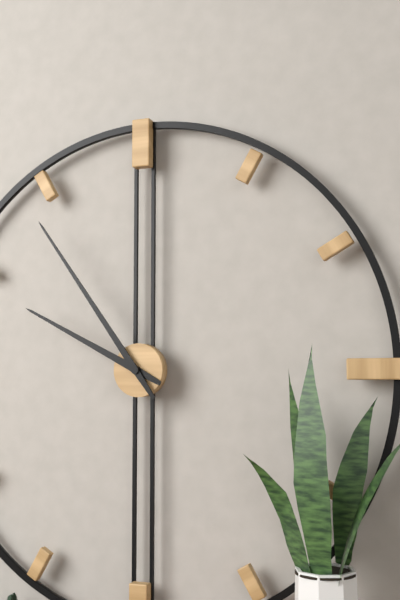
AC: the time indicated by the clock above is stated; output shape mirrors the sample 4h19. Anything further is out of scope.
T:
9h54
